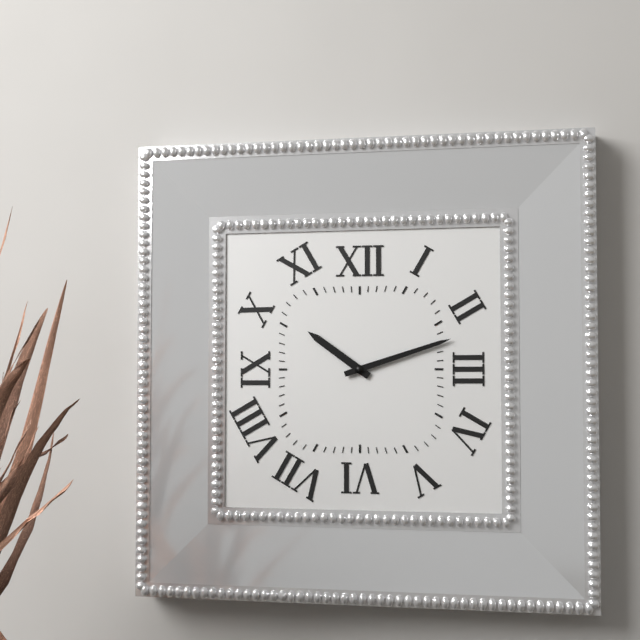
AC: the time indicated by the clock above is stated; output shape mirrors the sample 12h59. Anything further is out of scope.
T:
10h12
